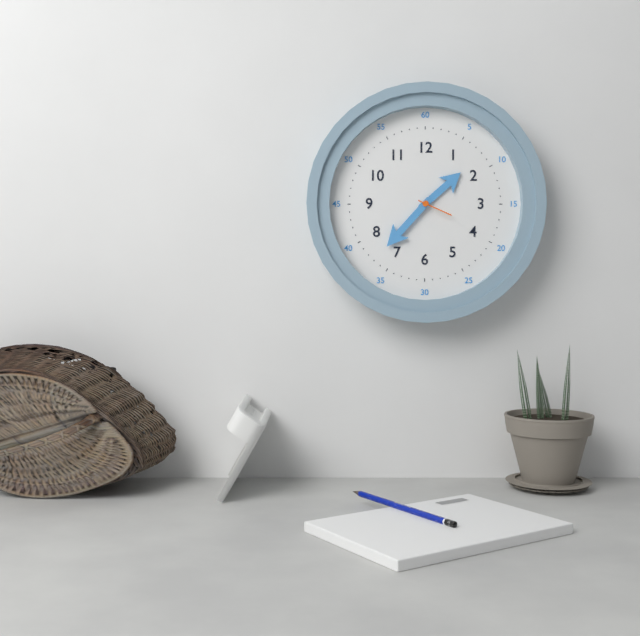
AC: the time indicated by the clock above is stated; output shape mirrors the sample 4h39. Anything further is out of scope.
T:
1h37
